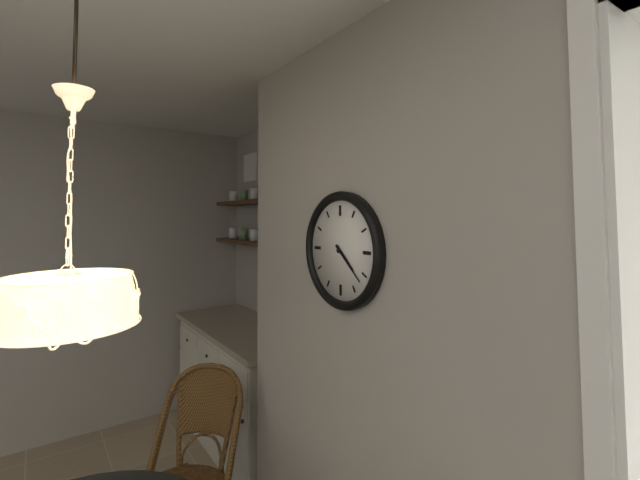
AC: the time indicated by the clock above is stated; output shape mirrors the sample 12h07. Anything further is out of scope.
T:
4h22
